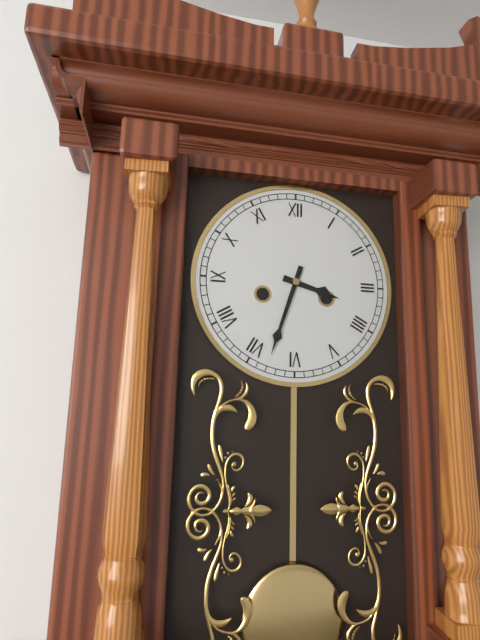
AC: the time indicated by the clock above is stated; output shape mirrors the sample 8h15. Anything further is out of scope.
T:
3h33
